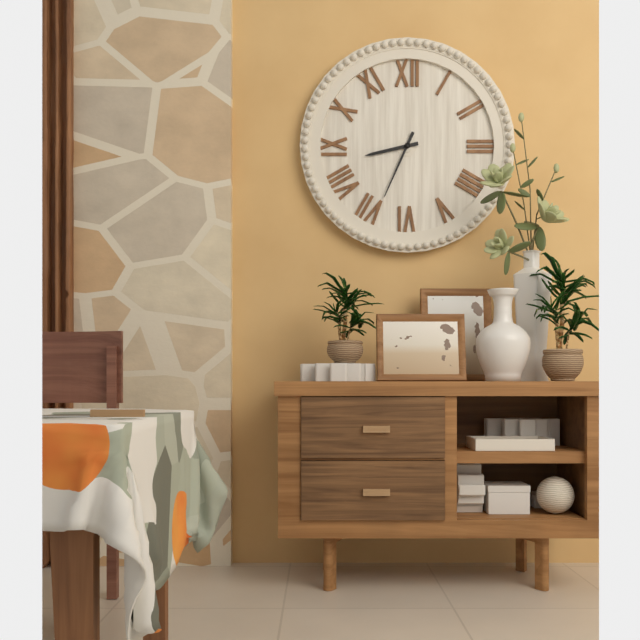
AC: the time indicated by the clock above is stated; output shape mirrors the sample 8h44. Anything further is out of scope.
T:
8h34
